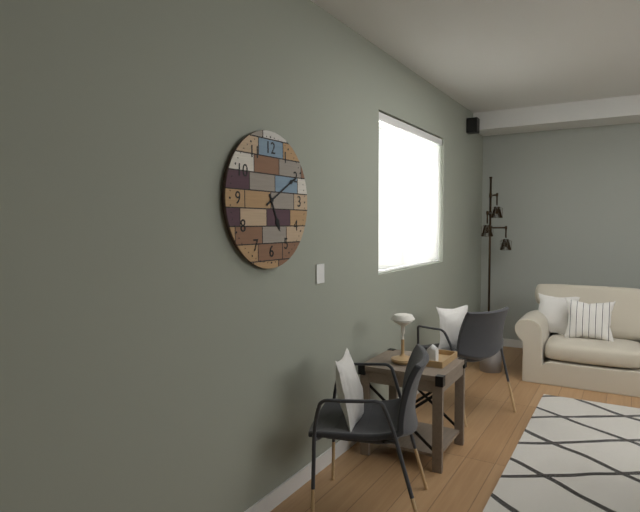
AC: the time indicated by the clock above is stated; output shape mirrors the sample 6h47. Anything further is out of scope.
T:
5h10
